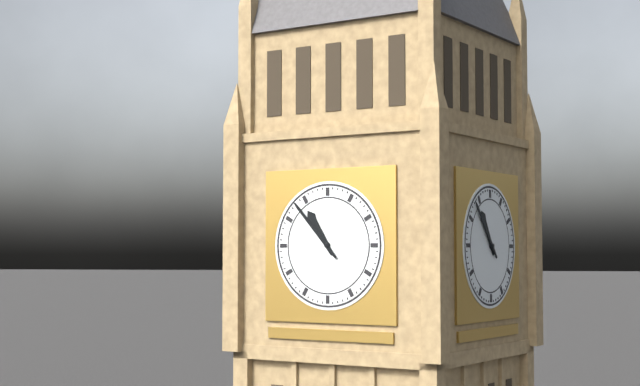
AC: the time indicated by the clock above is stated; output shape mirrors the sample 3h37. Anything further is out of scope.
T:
10h53
